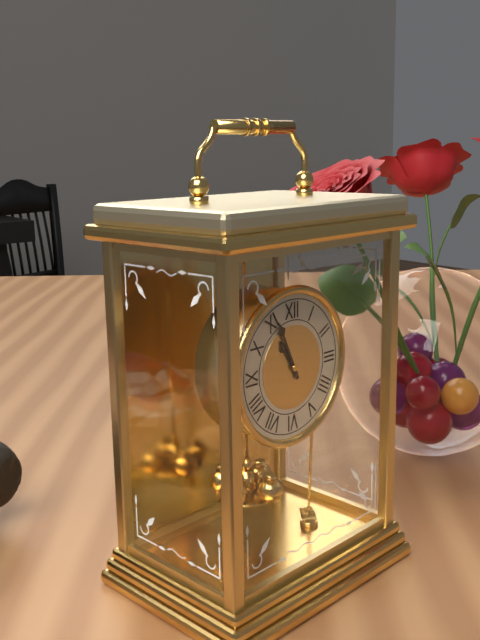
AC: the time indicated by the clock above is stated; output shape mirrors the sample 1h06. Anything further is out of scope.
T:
10h56
